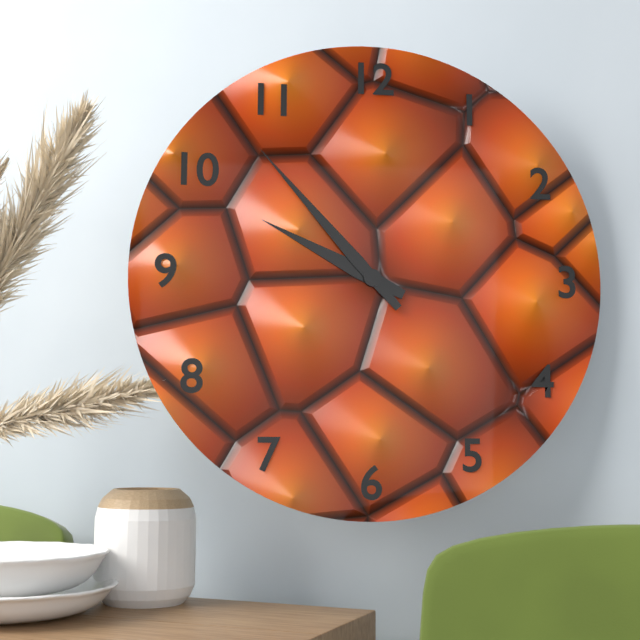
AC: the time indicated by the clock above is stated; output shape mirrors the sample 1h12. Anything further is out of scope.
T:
9h53
